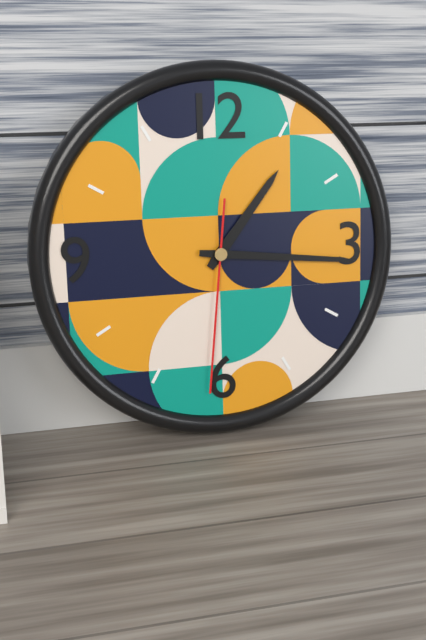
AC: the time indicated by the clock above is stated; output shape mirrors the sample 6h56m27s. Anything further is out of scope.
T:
1h16m31s
